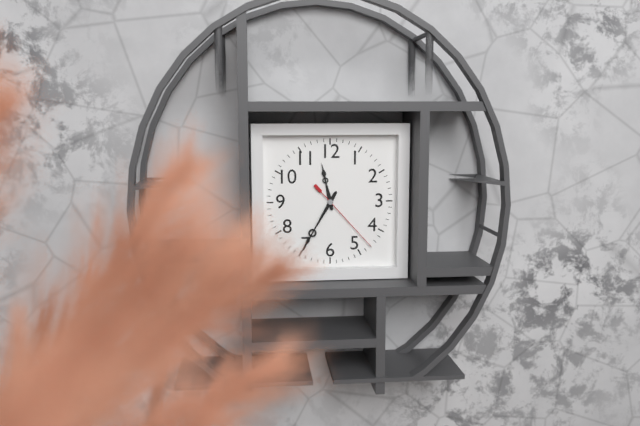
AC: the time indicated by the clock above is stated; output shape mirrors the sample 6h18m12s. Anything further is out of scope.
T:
11h35m23s
